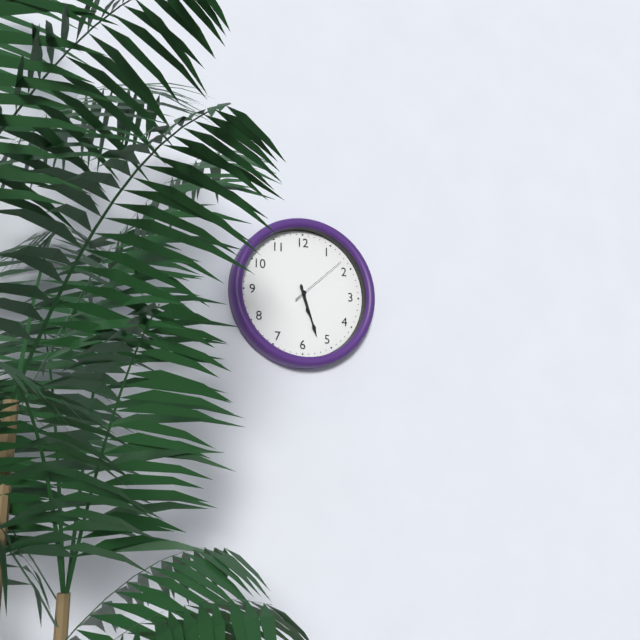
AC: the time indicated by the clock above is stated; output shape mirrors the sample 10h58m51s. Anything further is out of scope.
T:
5h27m08s
